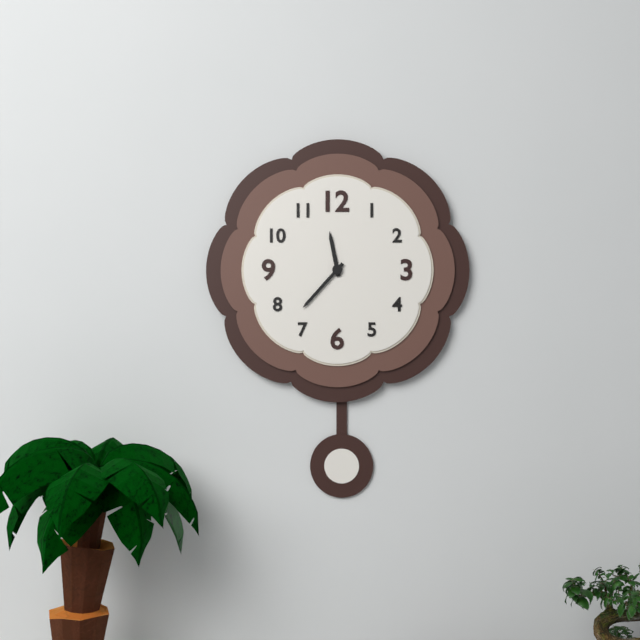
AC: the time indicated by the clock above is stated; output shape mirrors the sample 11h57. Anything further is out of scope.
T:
11h37
